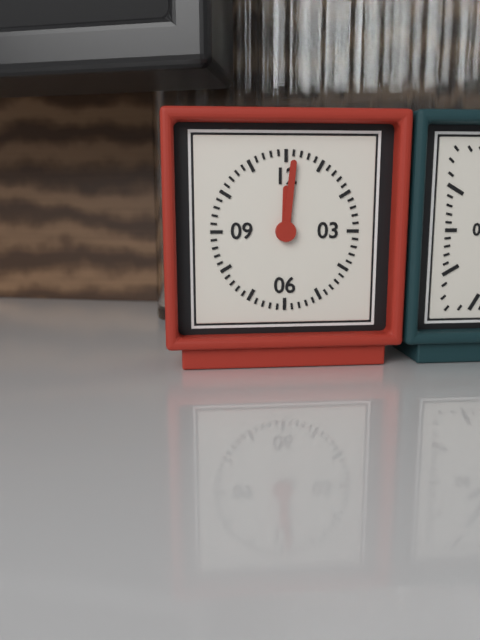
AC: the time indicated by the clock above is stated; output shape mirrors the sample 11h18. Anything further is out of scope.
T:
12h01
